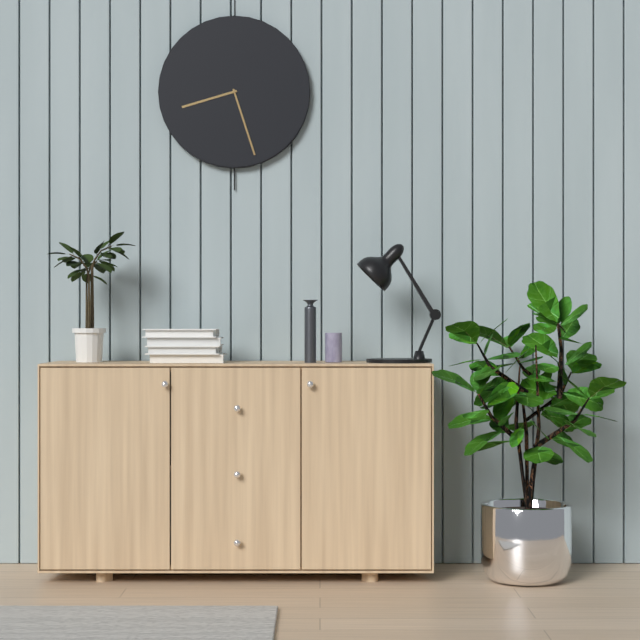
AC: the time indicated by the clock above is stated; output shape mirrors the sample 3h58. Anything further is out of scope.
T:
8h27
